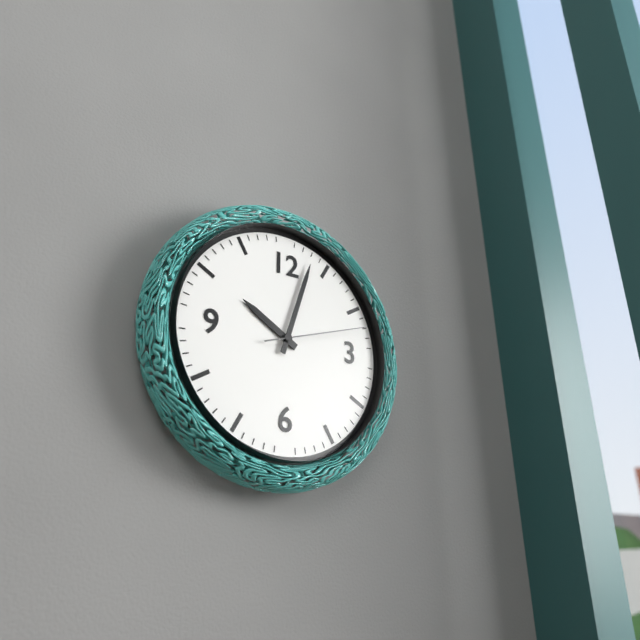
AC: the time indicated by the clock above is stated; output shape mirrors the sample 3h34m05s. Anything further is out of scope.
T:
10h03m12s
